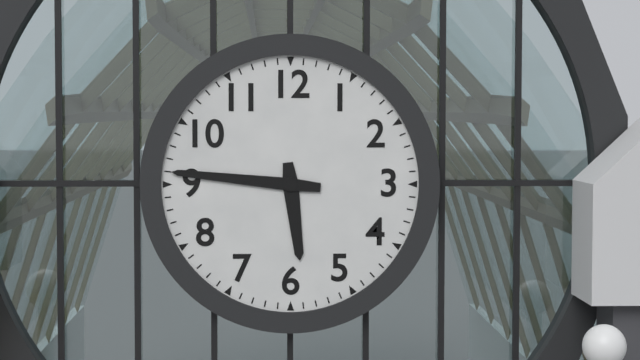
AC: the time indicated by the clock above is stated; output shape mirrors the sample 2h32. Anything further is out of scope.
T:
5h46
